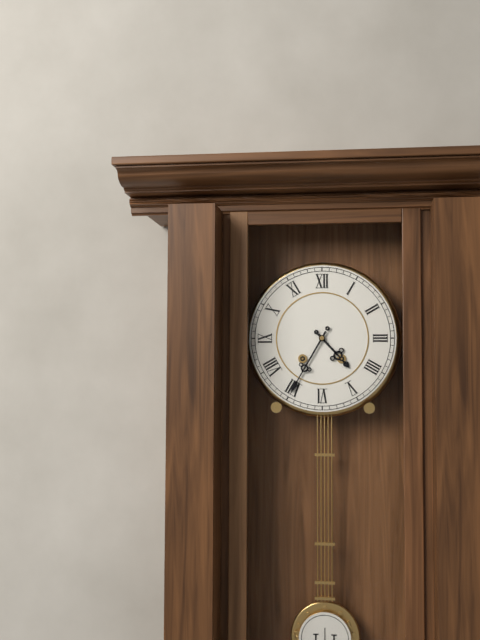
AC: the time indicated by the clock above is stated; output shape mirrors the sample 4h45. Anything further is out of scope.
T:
4h35
